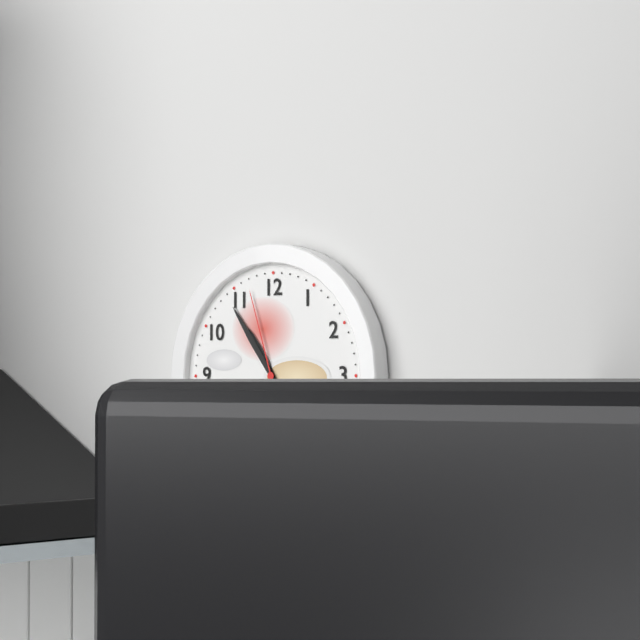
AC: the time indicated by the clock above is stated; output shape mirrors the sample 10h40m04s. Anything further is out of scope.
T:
10h54m57s
